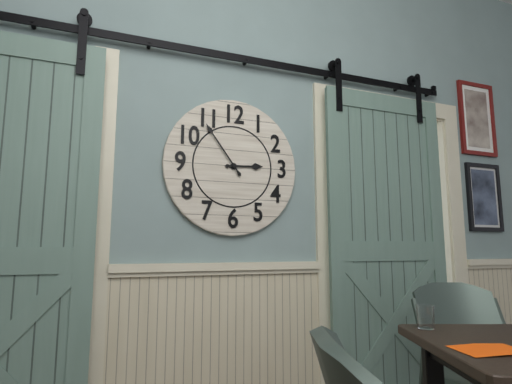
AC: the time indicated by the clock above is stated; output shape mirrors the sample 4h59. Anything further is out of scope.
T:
2h54
